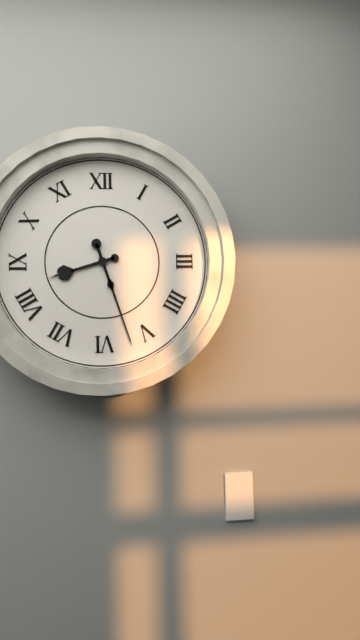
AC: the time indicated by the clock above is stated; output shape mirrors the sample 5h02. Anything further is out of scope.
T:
8h27
